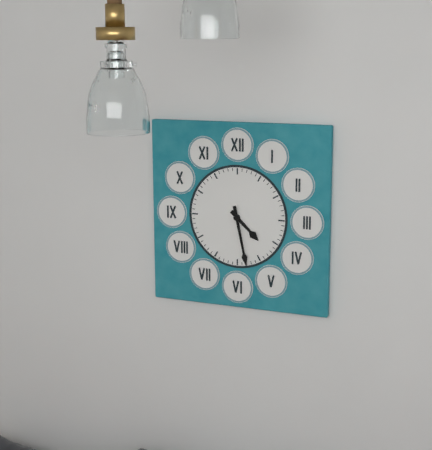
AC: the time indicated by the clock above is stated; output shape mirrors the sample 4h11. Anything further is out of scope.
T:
4h28
